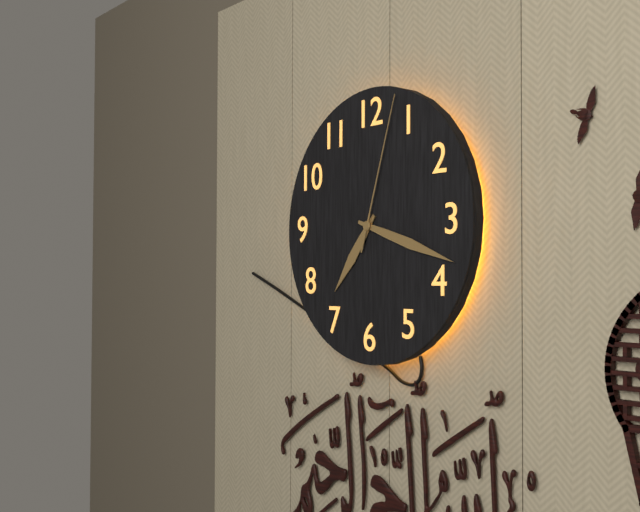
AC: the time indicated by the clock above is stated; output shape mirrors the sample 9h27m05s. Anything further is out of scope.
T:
7h18m03s
